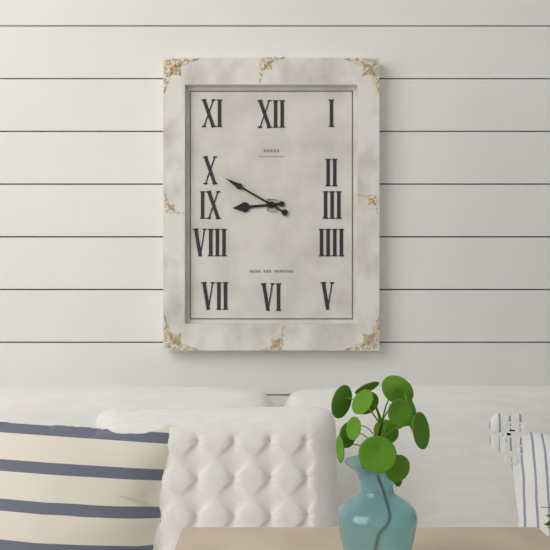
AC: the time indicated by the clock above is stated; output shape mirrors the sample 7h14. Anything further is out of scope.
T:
8h50
